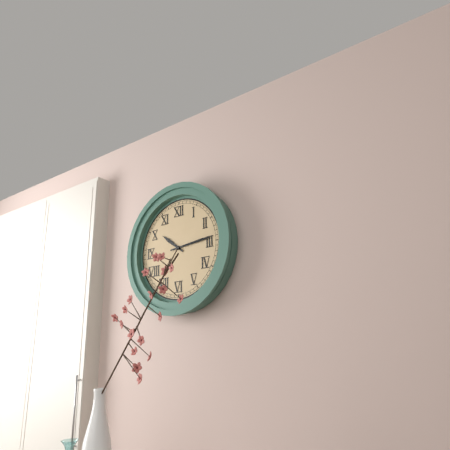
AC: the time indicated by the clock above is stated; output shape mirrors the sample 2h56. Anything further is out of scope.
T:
10h14
